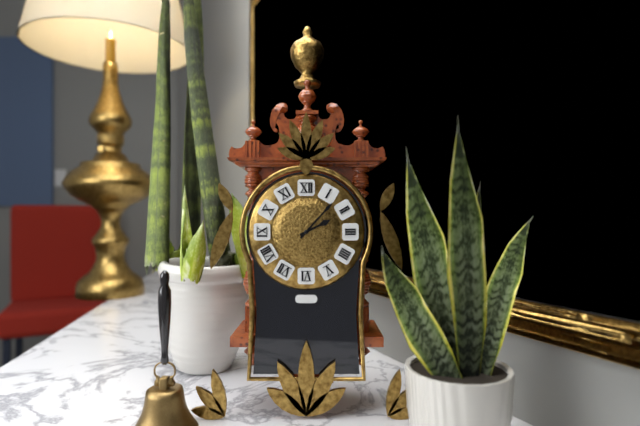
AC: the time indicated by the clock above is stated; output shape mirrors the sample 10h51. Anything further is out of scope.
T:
2h07
